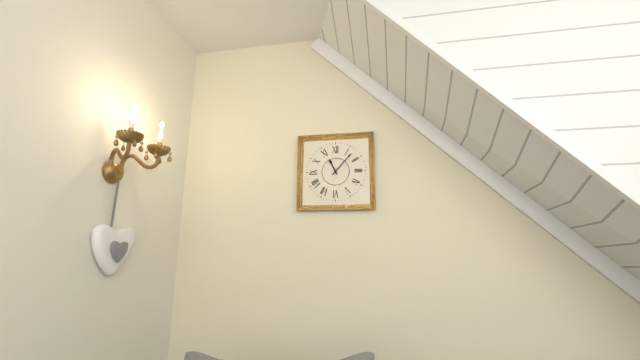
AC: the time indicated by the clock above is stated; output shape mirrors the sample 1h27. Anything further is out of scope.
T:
11h07
